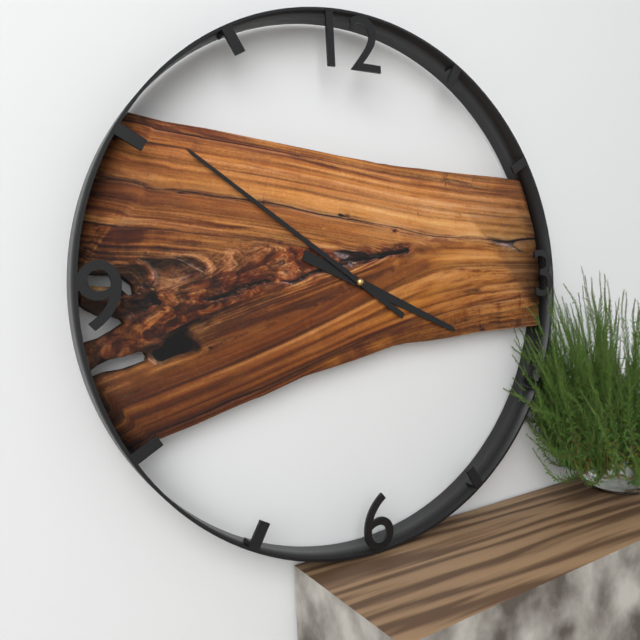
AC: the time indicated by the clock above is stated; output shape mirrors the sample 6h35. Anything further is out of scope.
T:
3h51
